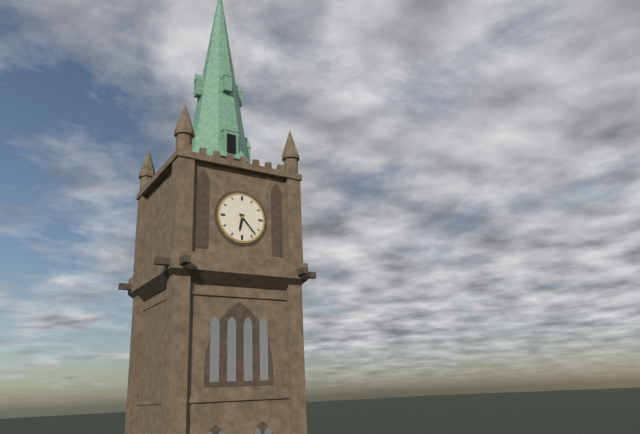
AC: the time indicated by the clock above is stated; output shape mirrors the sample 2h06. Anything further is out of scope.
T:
6h23
